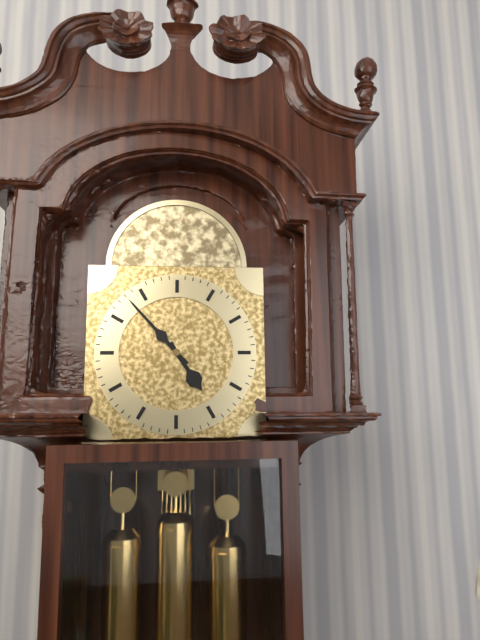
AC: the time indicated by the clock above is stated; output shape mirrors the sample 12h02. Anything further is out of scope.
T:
4h53
